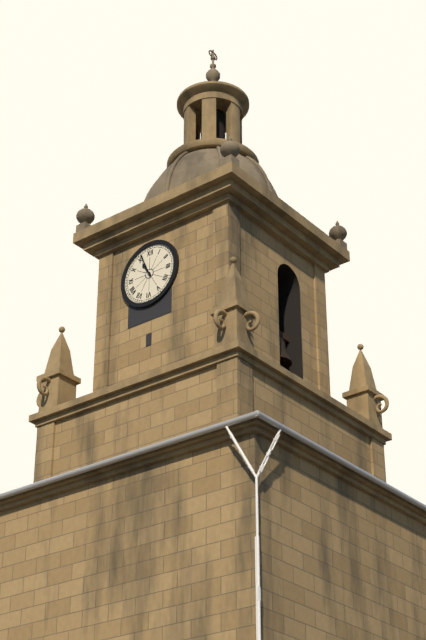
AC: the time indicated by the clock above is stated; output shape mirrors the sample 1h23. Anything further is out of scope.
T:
10h56
